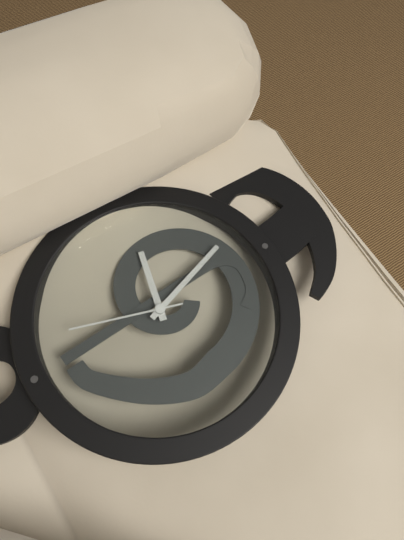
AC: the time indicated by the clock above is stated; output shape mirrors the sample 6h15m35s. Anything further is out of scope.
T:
3h27m03s
